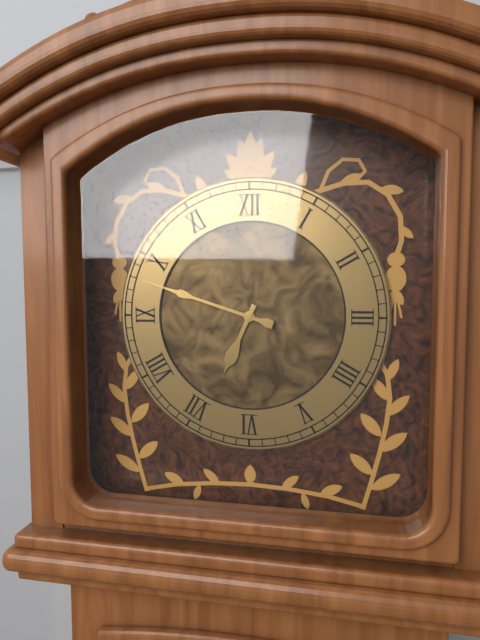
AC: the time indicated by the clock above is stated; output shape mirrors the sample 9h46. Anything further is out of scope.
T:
6h48
